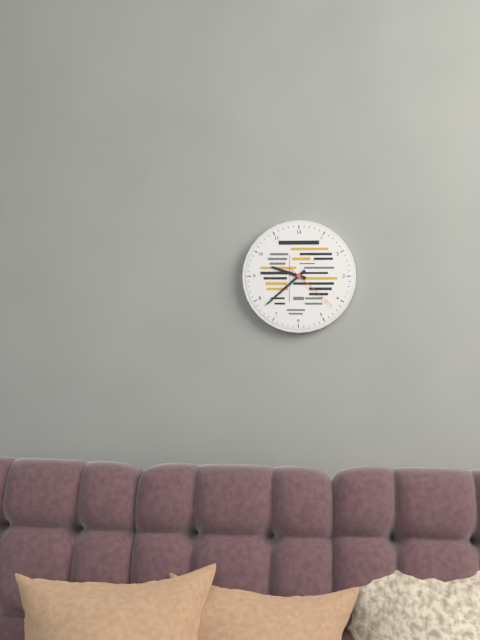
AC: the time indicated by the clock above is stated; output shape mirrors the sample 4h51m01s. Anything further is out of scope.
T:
9h38m22s
